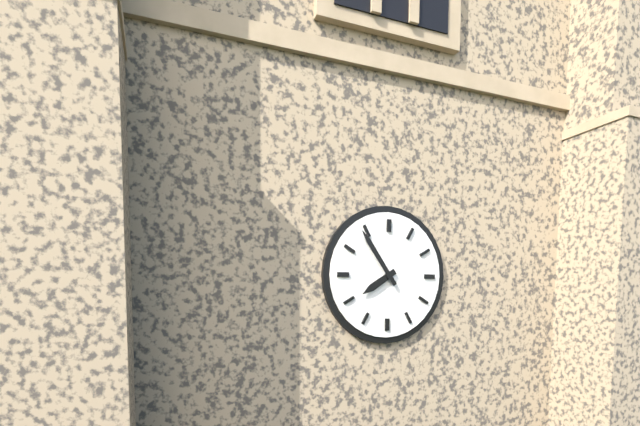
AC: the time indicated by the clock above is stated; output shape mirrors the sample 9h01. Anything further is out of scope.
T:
7h54
